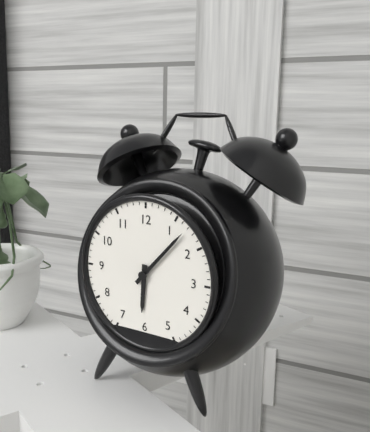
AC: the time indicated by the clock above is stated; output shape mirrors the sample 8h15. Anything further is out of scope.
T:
6h07
